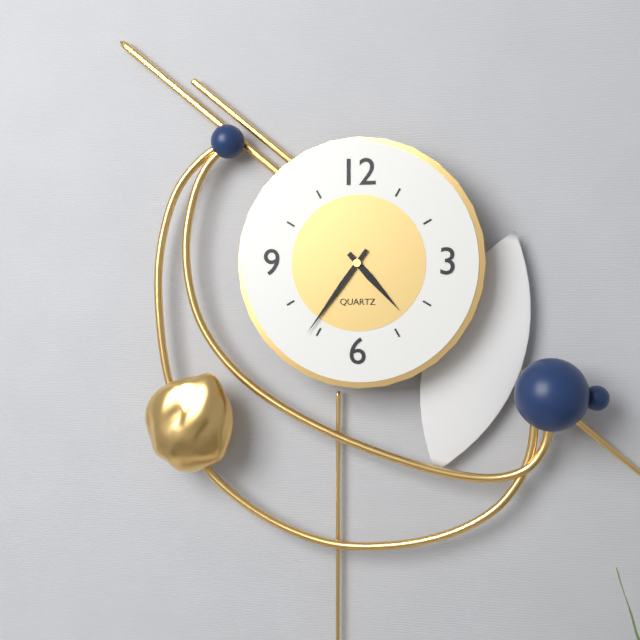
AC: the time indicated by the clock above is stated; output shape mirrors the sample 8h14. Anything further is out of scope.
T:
4h36
